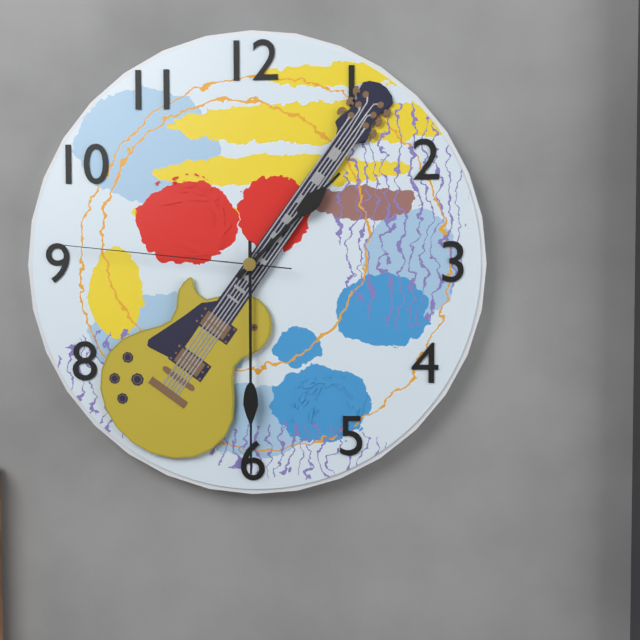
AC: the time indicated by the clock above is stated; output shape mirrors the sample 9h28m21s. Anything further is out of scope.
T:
1h30m46s
